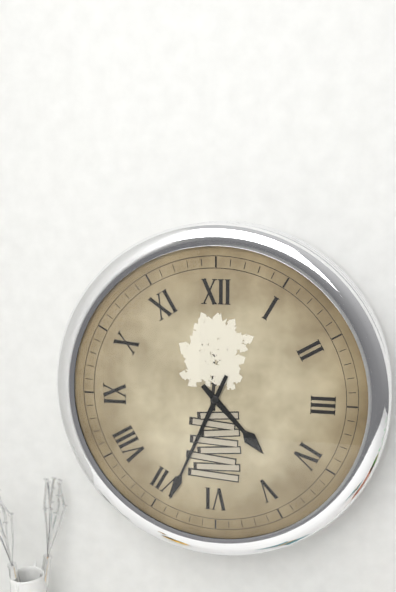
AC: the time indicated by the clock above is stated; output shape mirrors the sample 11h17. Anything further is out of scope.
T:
4h34
